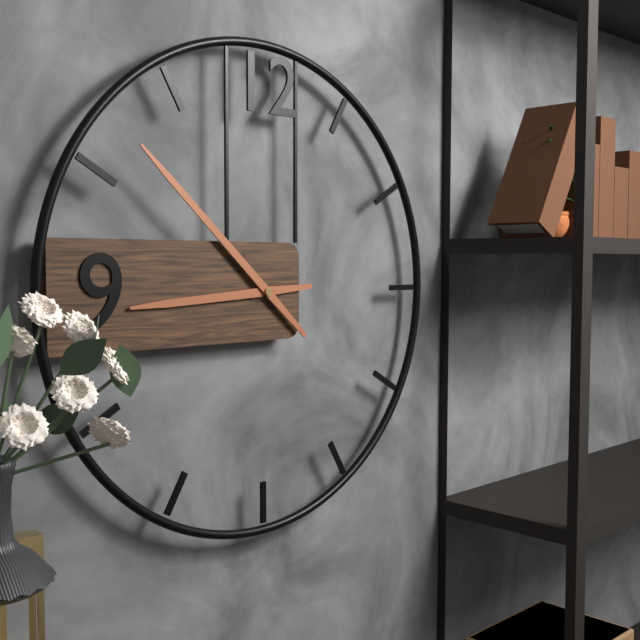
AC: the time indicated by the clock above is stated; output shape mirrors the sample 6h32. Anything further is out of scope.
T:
8h52
